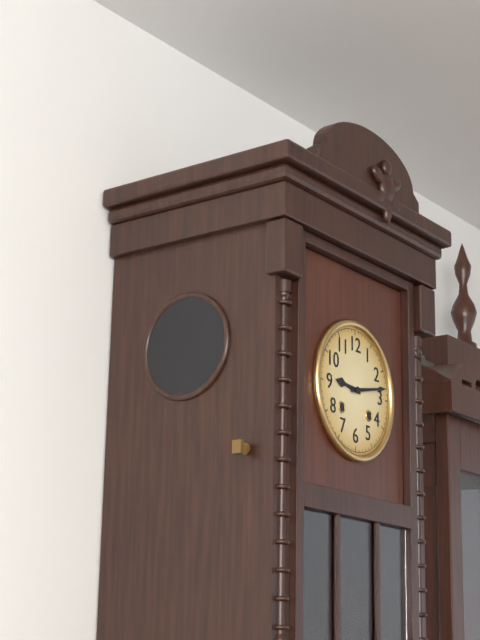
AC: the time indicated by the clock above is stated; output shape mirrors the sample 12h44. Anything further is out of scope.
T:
9h13
